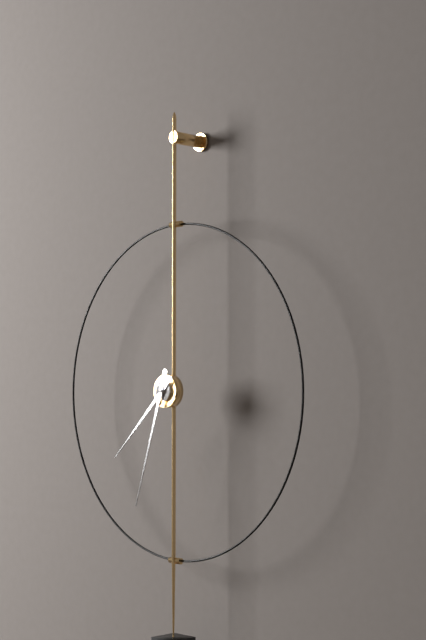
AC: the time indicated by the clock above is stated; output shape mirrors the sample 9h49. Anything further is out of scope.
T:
7h33
